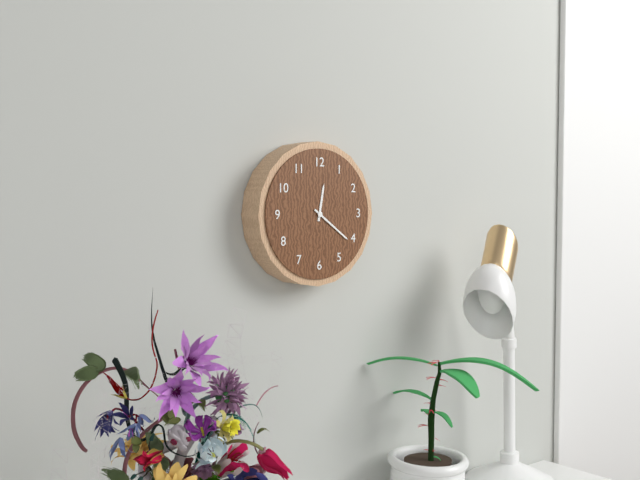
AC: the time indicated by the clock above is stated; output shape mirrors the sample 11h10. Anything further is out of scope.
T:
12h21
